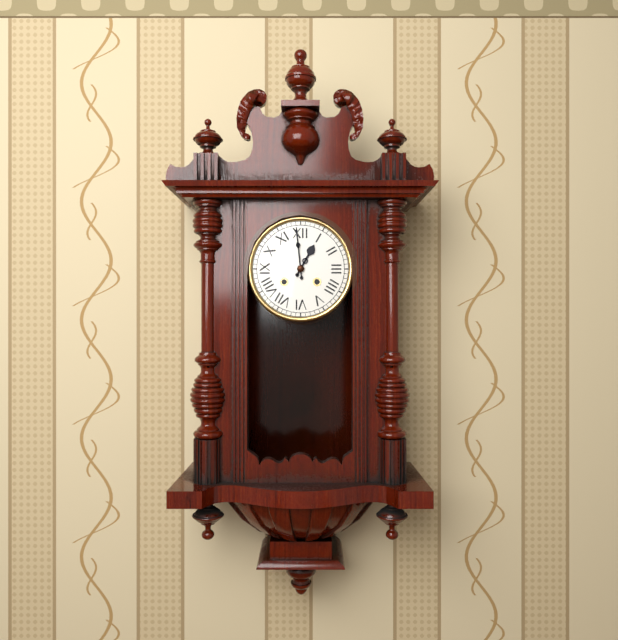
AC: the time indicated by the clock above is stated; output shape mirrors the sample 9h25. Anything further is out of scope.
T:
12h59
